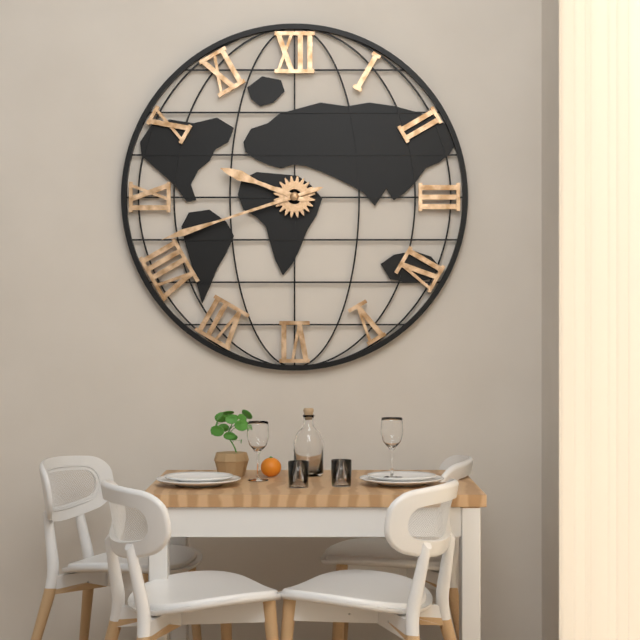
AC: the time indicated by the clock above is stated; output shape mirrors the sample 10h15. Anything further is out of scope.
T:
9h42
